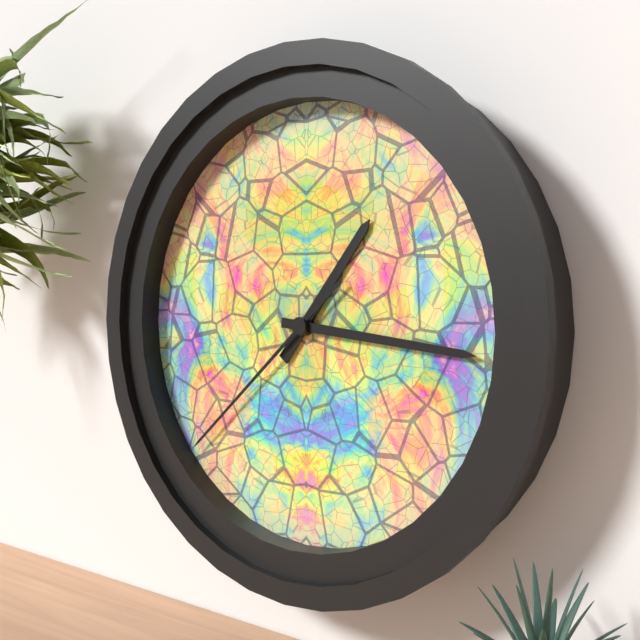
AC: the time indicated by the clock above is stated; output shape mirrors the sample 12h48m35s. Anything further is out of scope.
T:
1h16m38s
